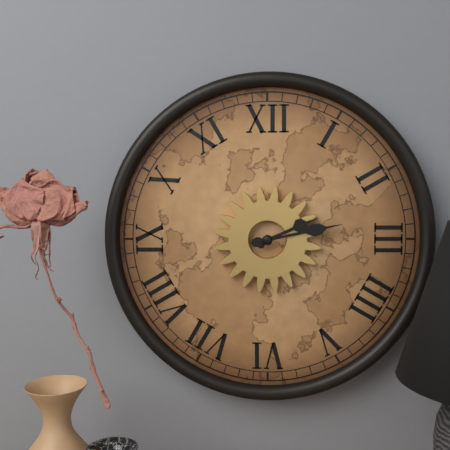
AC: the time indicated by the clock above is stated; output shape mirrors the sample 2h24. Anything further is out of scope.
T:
2h13
